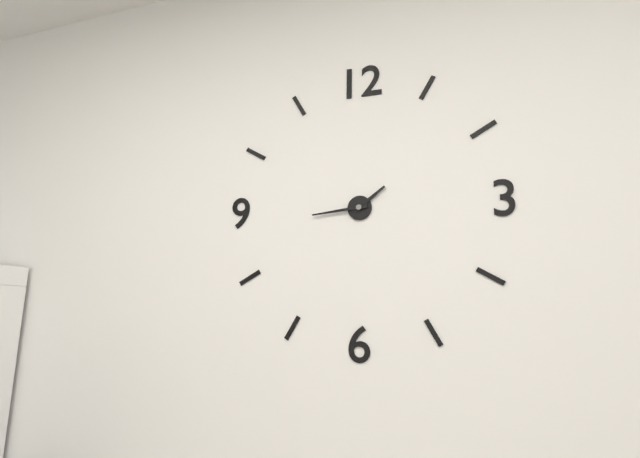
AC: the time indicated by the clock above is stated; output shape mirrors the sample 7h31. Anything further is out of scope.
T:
1h44
